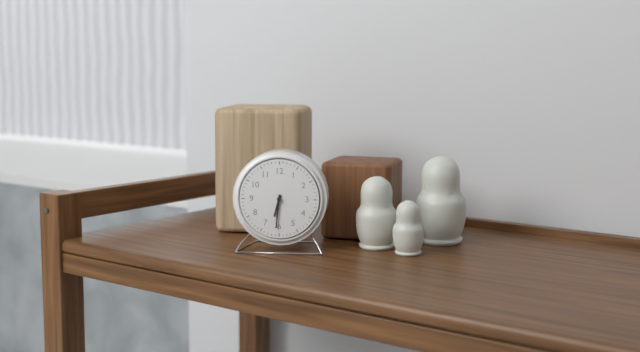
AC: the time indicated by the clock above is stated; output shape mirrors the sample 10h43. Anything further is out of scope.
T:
6h31
